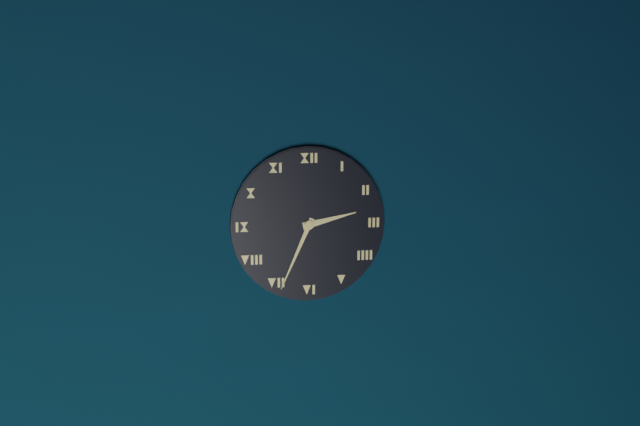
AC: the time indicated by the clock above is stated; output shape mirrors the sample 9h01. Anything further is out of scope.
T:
2h34
